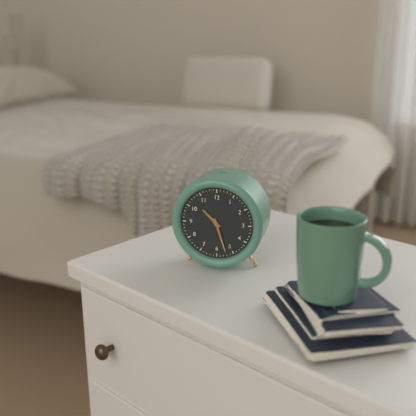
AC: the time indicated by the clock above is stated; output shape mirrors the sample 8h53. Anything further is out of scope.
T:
10h27
